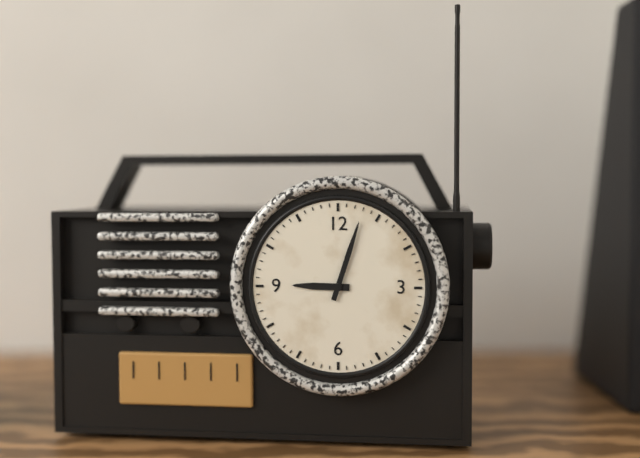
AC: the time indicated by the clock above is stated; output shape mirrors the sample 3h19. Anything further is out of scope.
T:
9h03
